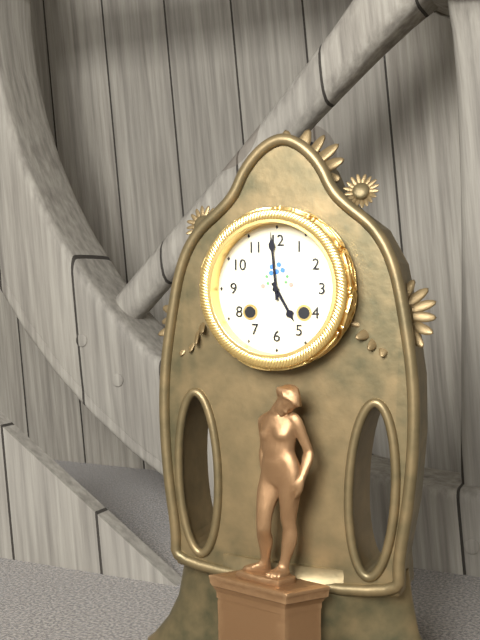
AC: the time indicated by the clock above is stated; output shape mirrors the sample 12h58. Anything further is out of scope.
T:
4h59
